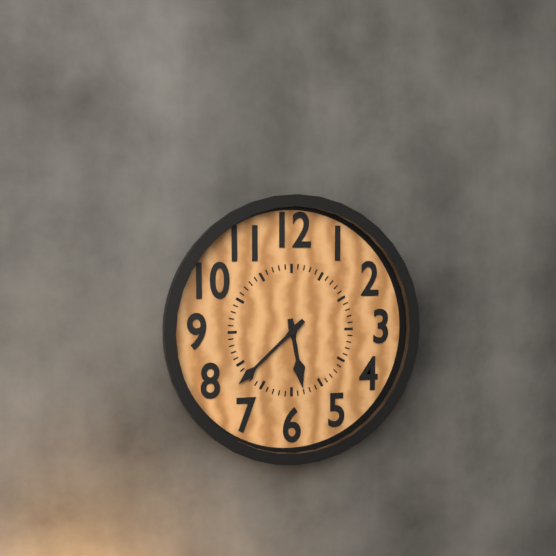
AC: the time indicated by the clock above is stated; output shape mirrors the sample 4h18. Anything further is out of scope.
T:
5h38
